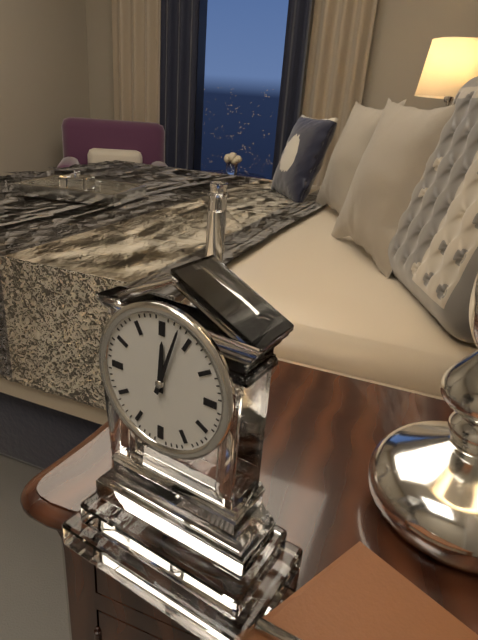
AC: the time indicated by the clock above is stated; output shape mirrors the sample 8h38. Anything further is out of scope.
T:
12h03
